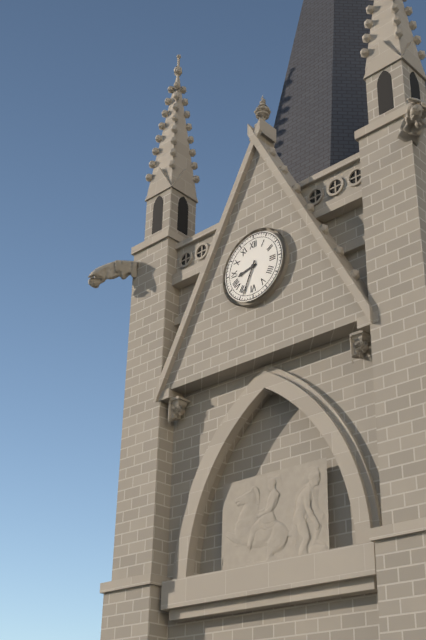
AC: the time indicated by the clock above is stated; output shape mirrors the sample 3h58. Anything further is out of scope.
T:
8h34
